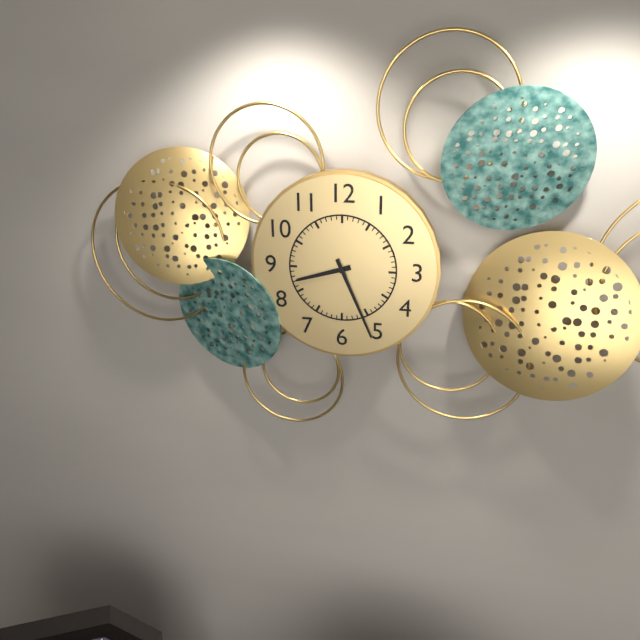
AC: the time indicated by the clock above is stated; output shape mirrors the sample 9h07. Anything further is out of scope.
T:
8h26
